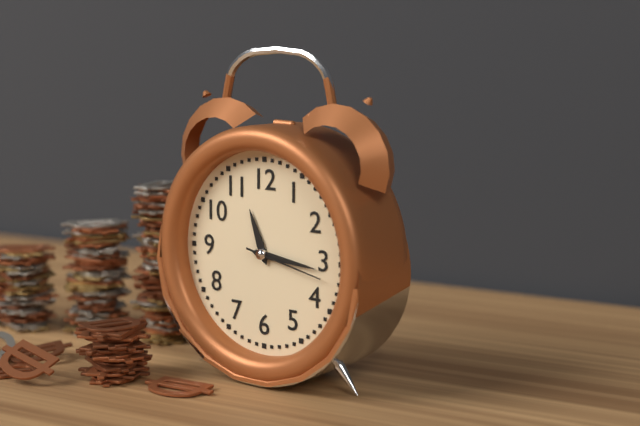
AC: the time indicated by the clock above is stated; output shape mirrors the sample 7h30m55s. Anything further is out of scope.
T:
11h16m17s
